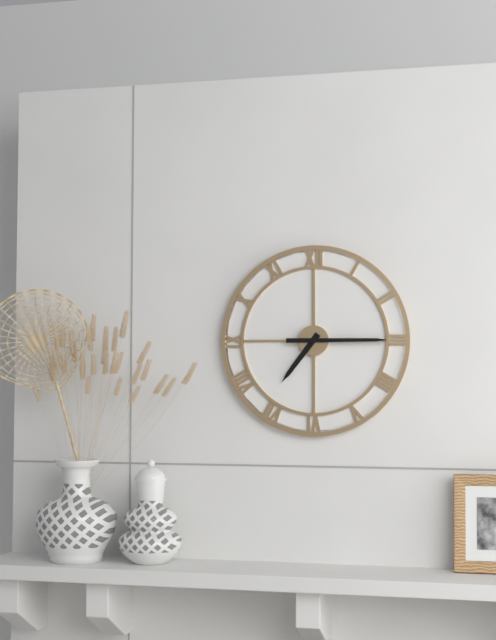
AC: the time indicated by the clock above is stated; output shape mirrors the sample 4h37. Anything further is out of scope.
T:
7h15
